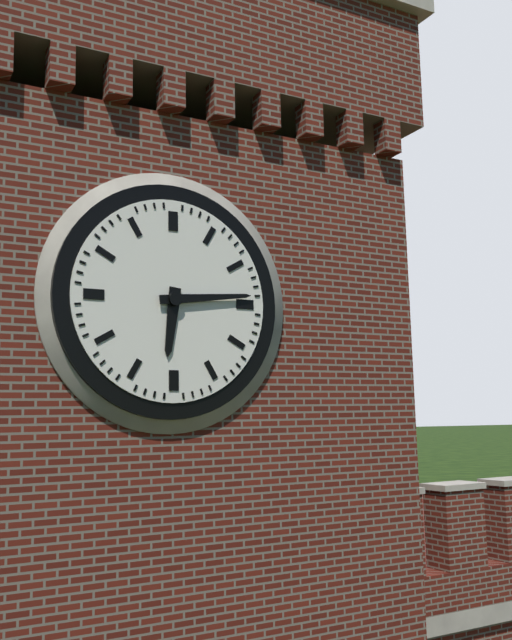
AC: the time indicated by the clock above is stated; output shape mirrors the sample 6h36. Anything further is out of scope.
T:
6h14
